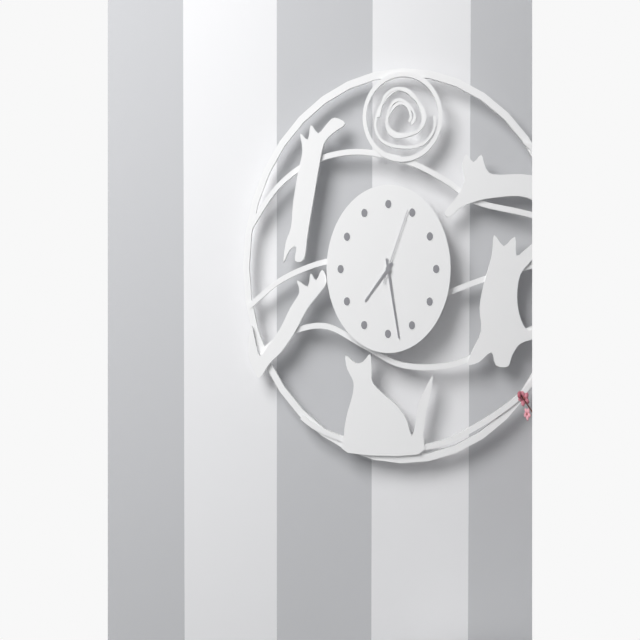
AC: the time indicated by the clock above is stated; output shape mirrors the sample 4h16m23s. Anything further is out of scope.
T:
7h28m04s
